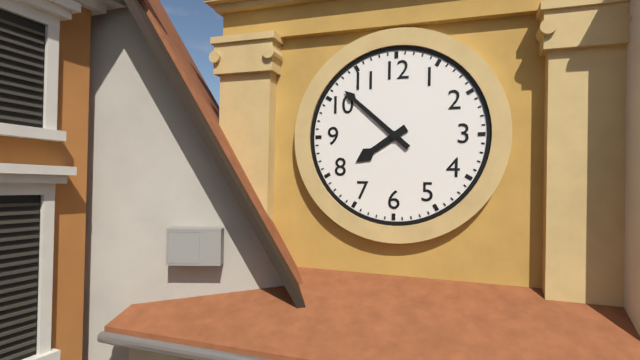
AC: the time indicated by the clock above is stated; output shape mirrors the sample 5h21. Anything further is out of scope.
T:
7h52
